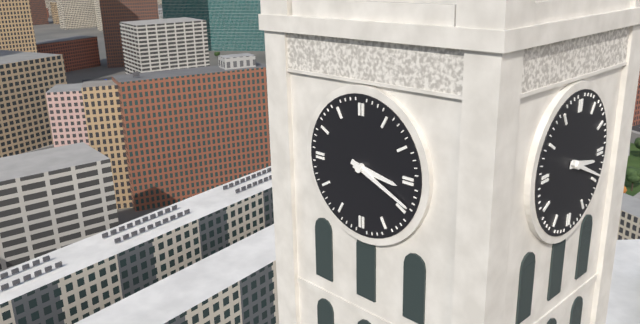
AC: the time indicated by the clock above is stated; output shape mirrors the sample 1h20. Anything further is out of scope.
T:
3h19
